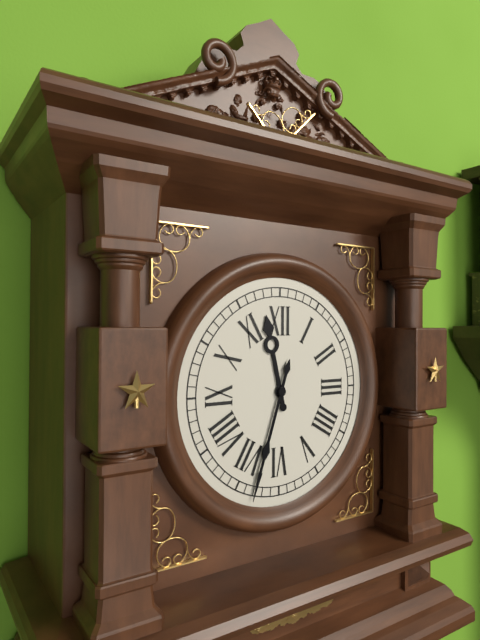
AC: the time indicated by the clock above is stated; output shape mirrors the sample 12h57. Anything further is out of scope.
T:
11h33
